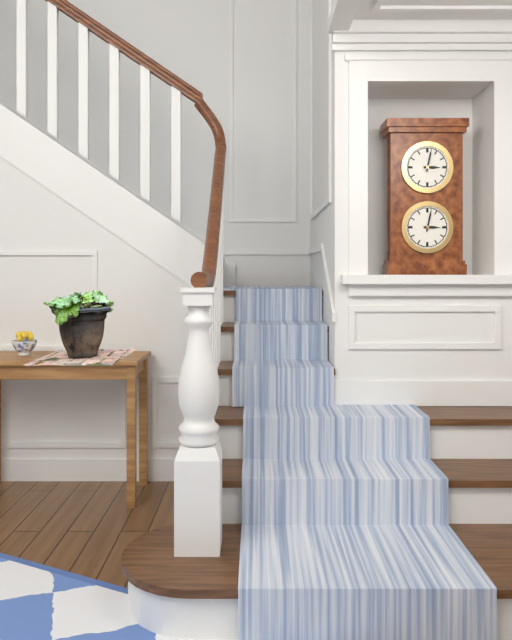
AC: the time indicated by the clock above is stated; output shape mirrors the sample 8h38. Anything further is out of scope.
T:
3h02
